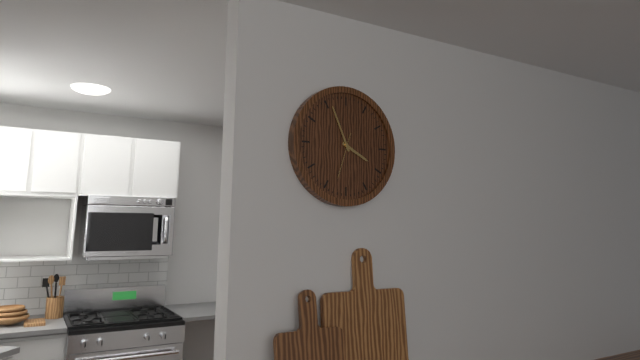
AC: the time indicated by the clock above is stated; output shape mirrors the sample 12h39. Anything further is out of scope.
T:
3h56
